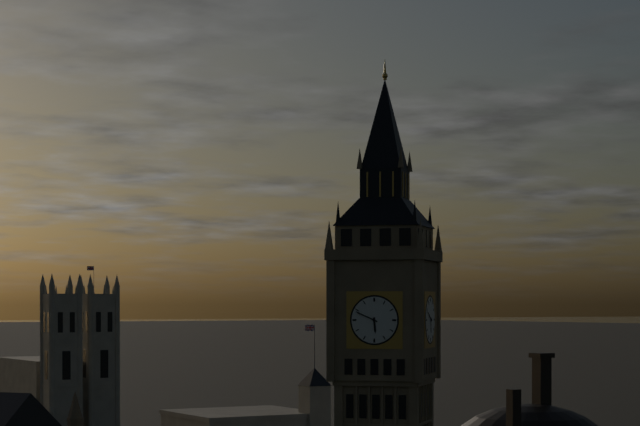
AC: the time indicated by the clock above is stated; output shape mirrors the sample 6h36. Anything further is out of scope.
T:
5h49
